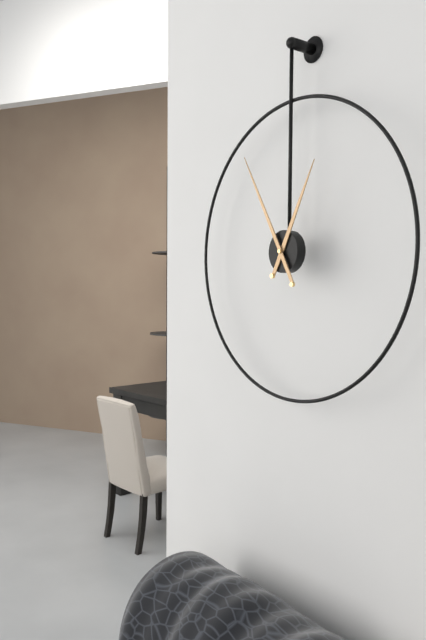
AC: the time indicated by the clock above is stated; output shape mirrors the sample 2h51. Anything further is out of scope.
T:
12h55
